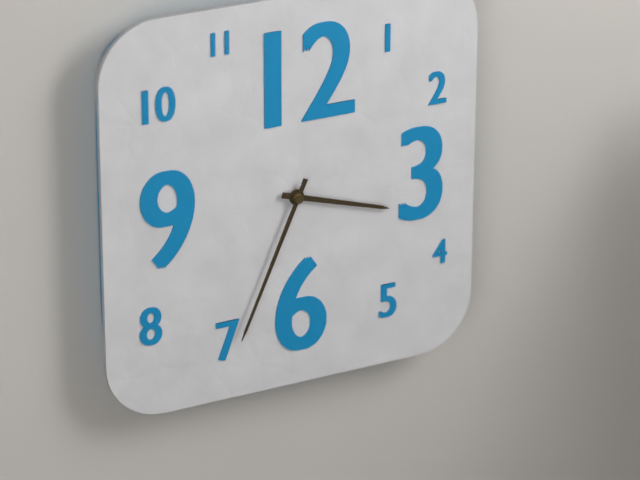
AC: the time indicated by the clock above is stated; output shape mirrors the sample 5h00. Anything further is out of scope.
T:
3h34
